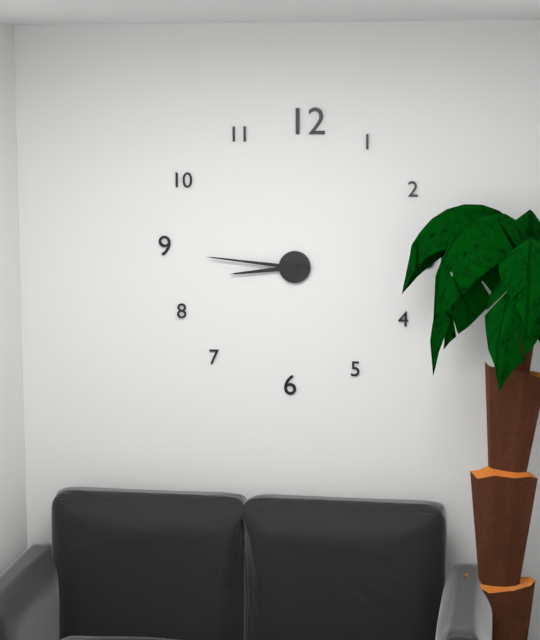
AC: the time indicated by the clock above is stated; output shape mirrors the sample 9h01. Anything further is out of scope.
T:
8h46
